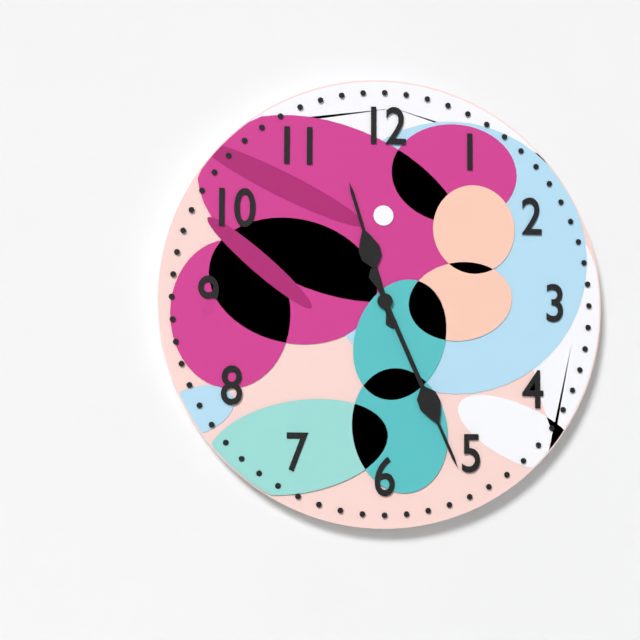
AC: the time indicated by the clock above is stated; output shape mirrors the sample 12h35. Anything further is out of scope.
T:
11h26
